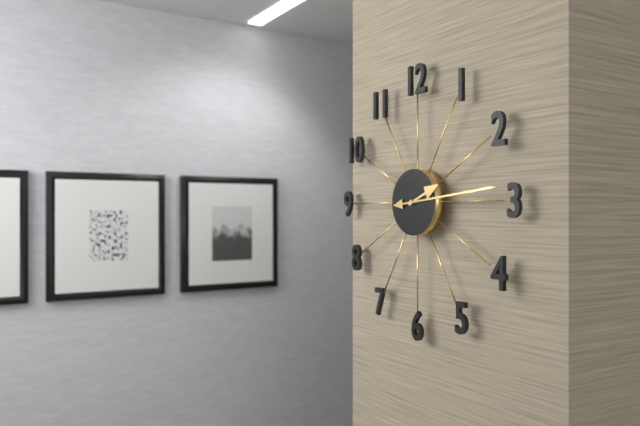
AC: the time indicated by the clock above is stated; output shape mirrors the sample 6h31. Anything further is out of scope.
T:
2h14
